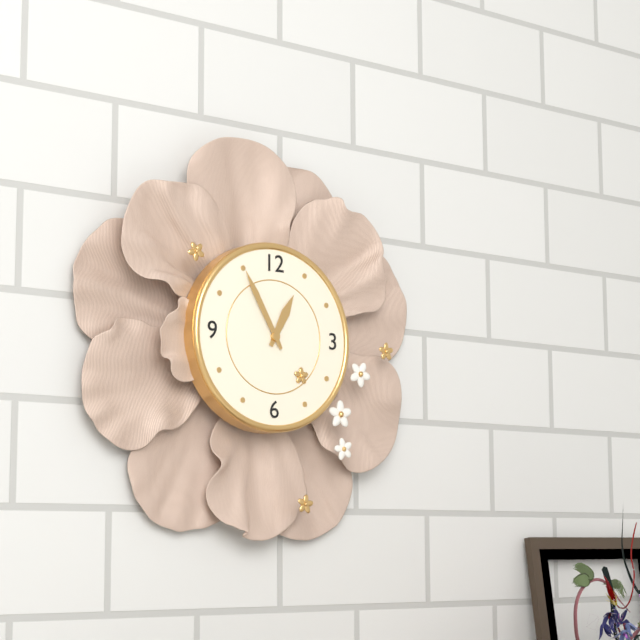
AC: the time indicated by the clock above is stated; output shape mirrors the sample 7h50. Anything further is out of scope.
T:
12h55
